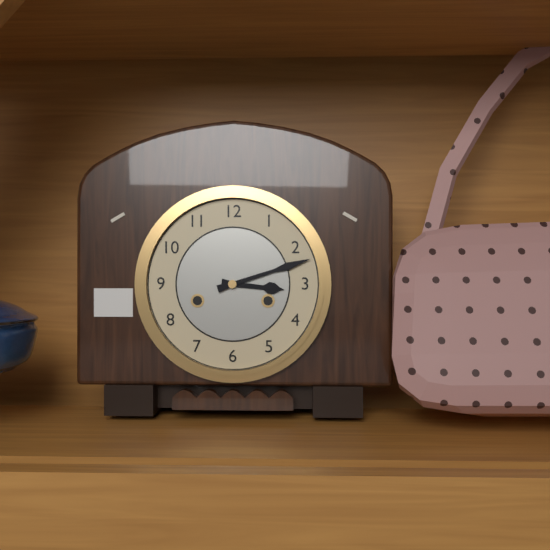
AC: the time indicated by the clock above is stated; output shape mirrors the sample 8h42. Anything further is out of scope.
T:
3h12
